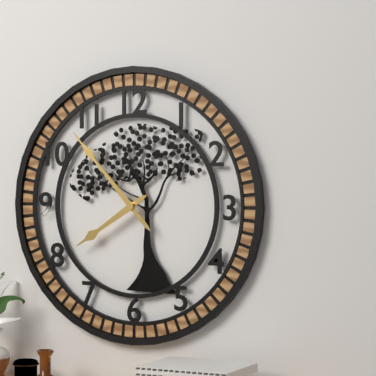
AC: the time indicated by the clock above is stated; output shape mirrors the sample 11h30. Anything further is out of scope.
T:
7h53
